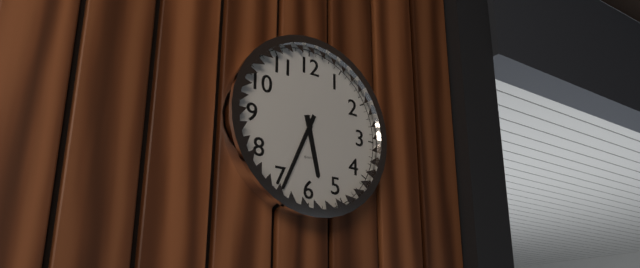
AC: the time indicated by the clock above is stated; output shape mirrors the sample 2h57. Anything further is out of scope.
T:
5h34
